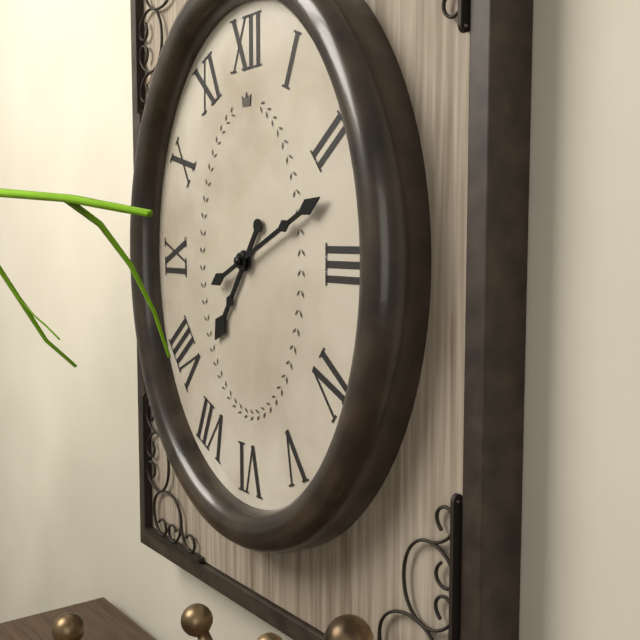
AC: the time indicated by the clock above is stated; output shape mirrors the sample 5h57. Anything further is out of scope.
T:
7h11
